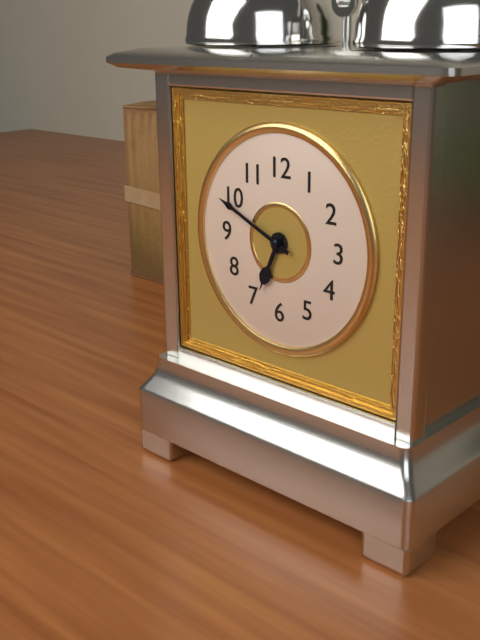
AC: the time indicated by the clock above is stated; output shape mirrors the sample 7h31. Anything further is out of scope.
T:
6h49
